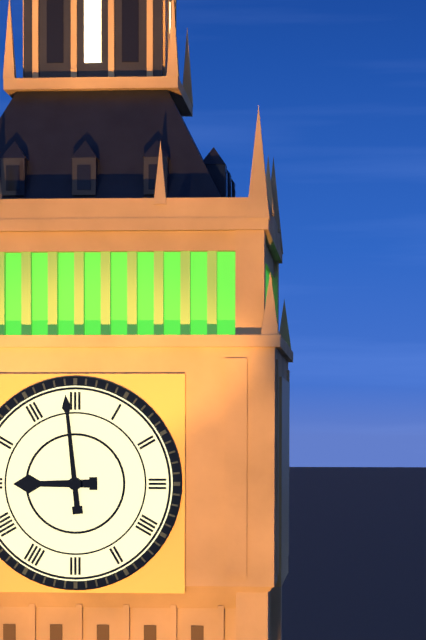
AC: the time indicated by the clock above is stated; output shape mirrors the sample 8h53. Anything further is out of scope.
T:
8h59
